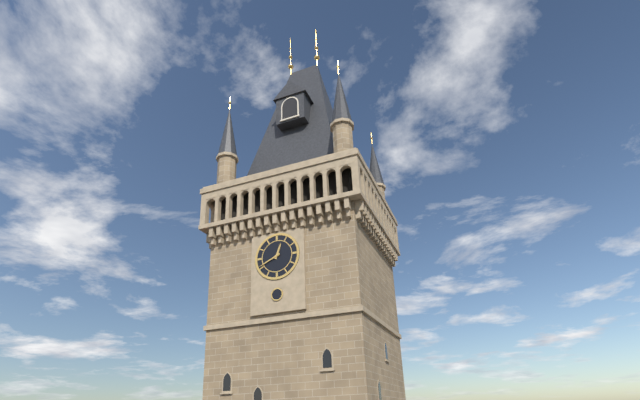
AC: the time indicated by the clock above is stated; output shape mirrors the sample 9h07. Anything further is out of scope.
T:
12h41
